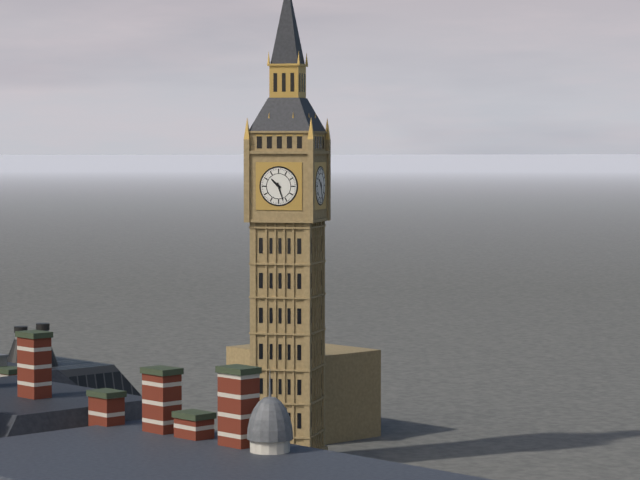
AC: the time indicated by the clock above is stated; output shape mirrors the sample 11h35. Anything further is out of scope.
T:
10h27
